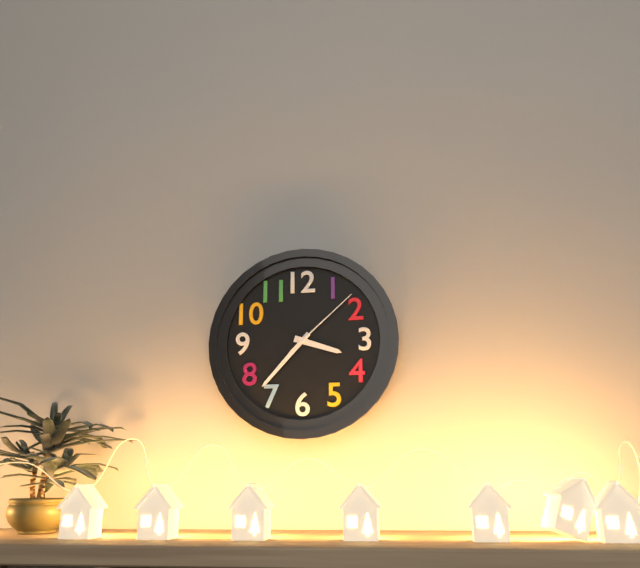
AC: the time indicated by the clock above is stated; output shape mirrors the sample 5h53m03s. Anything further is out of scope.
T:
3h37m08s
